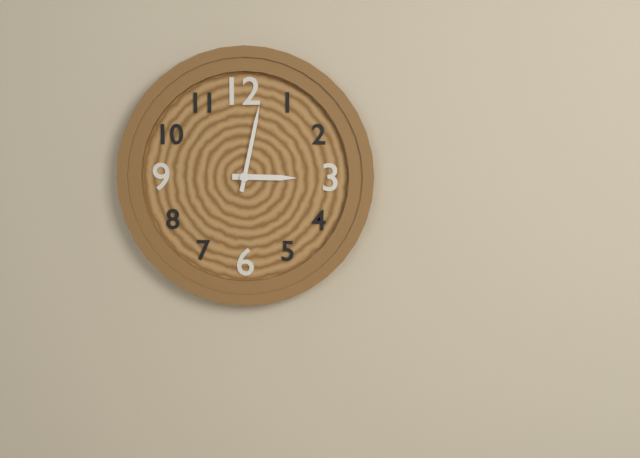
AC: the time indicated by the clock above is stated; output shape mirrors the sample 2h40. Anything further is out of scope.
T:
3h02
